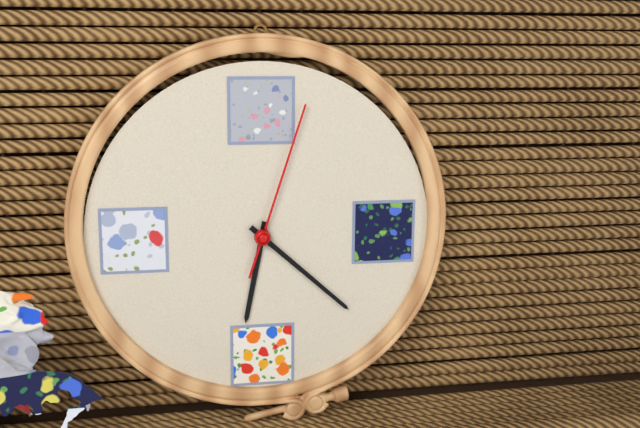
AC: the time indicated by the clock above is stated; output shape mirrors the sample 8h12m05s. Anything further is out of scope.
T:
6h22m03s
